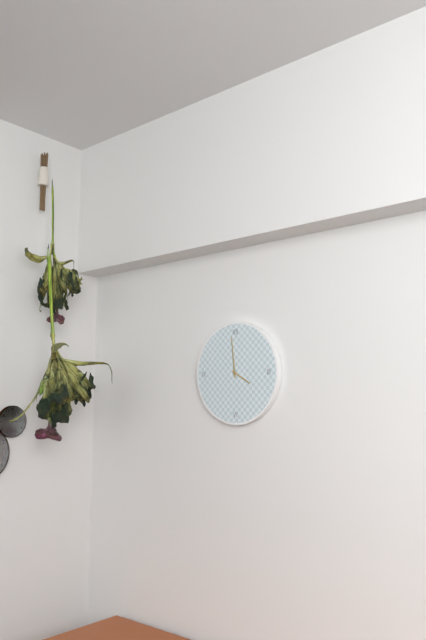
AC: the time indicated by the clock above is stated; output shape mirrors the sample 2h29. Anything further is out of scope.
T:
3h59
